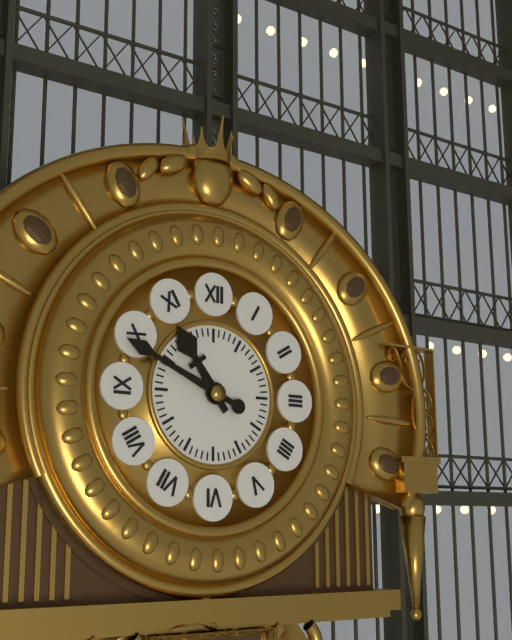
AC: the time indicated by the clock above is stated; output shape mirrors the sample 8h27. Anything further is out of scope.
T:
10h49
